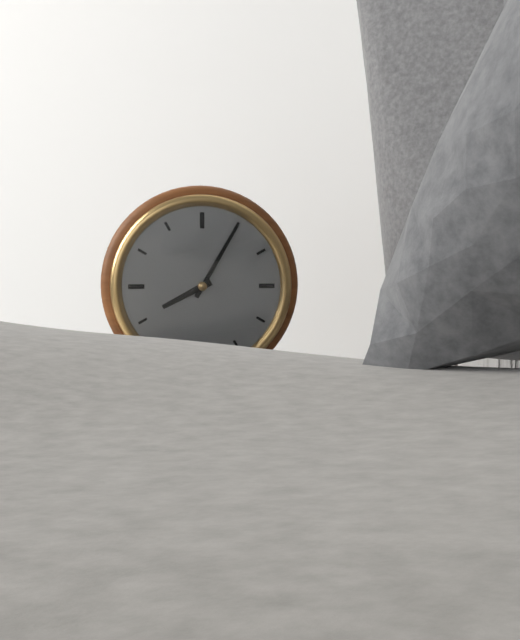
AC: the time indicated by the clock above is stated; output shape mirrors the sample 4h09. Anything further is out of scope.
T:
8h05
